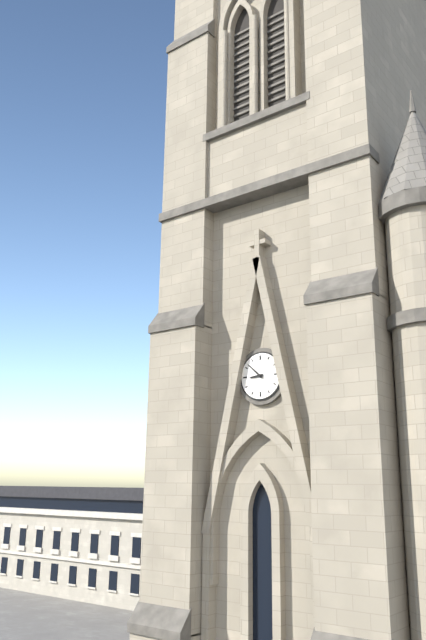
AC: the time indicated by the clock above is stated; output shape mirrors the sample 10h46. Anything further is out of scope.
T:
8h52
